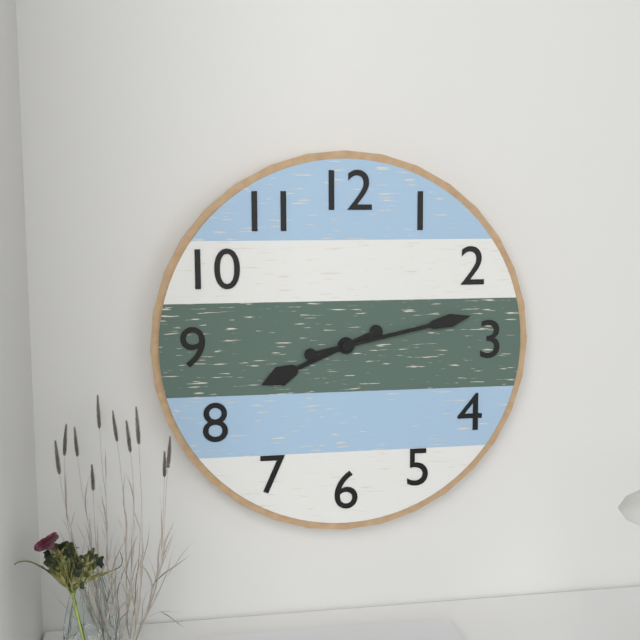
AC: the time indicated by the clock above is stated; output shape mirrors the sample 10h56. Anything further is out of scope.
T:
8h13
